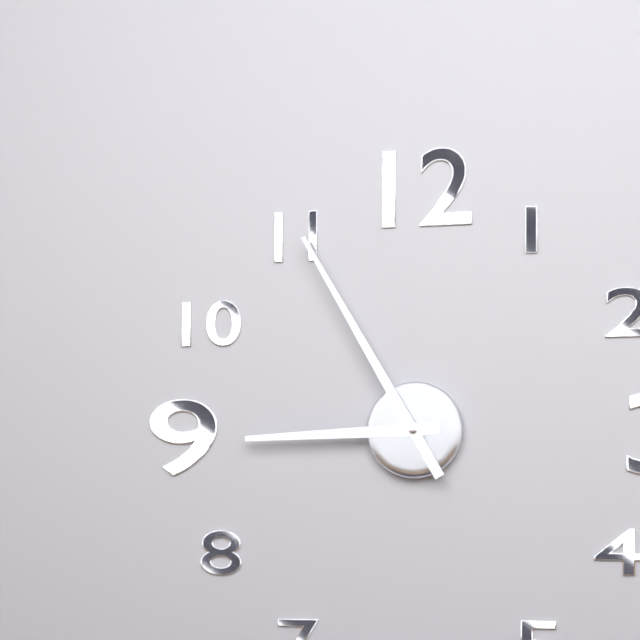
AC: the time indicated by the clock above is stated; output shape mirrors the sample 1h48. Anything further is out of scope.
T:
8h55
